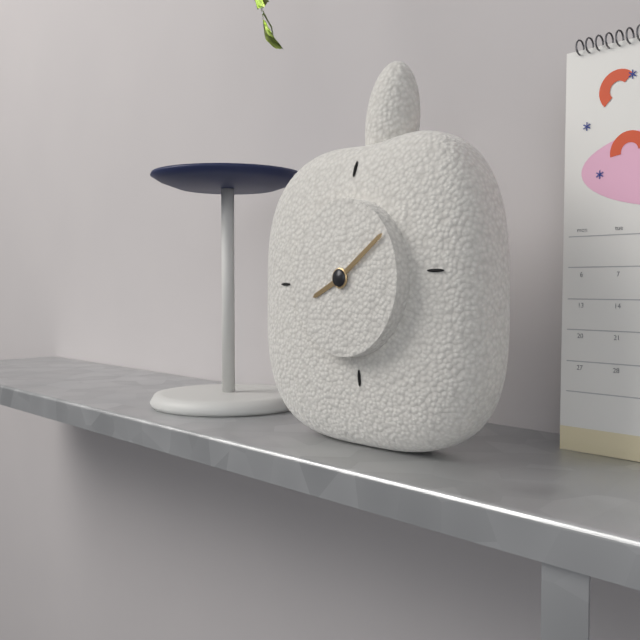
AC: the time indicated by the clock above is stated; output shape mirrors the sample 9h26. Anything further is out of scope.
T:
8h09
